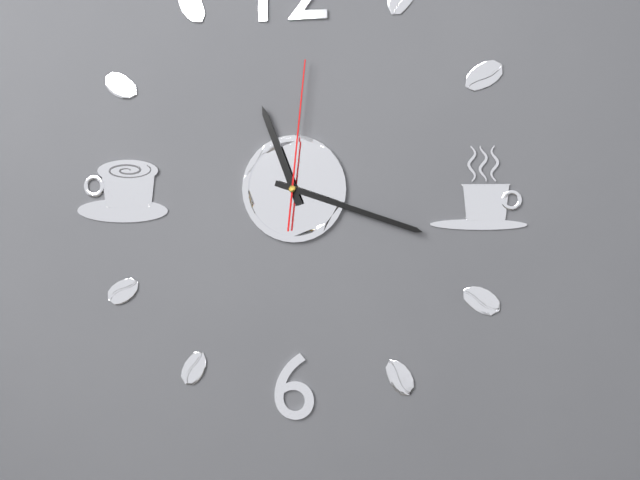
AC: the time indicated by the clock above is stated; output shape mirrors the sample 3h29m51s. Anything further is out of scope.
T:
11h18m01s
